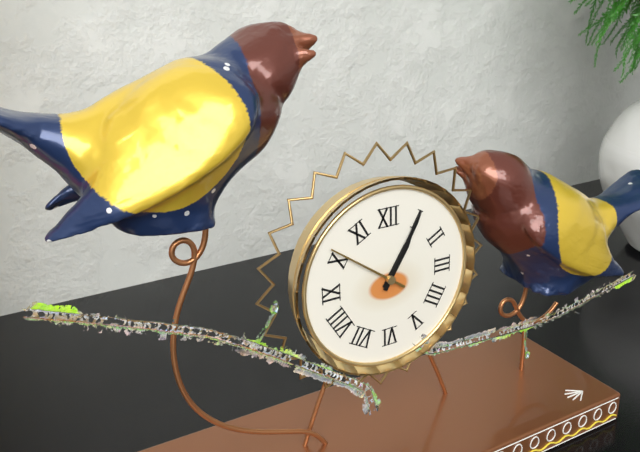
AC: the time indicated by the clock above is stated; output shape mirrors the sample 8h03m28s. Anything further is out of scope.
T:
1h05m51s
